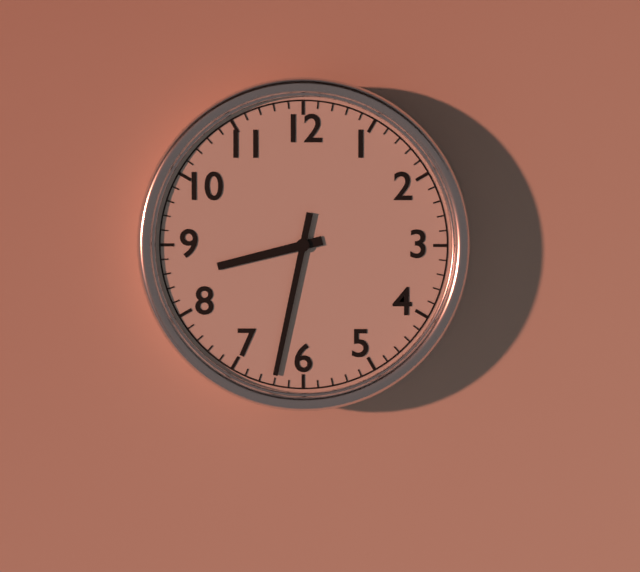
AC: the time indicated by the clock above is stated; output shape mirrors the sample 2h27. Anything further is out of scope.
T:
8h32
